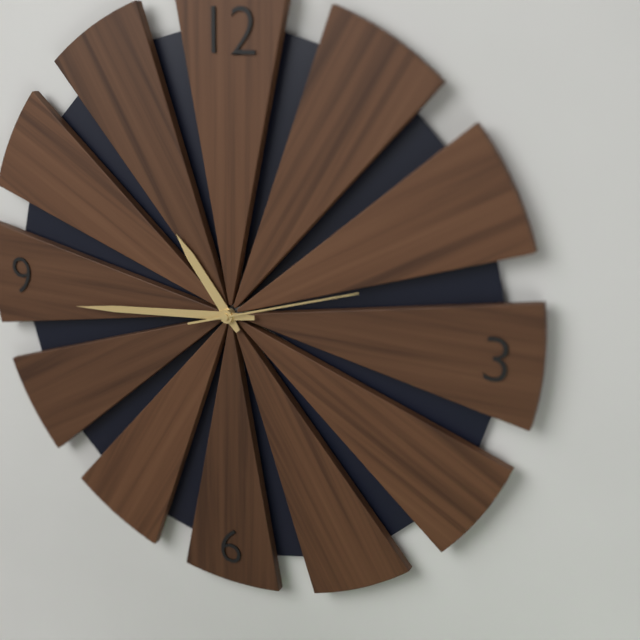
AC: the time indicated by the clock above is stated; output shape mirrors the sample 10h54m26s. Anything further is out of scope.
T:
10h44m12s
